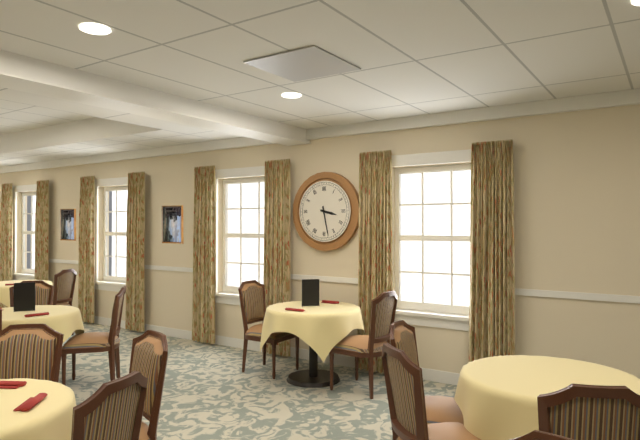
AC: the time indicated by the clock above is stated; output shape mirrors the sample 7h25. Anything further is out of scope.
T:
3h28
